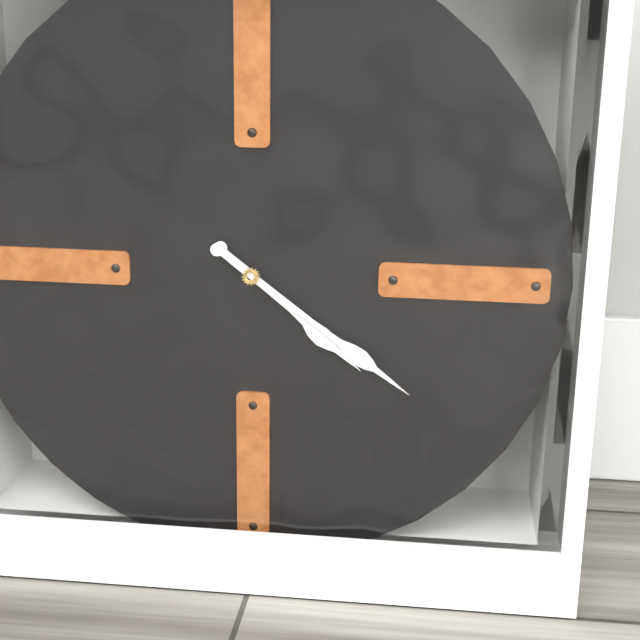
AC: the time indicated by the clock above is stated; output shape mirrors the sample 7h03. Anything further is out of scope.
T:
4h21
